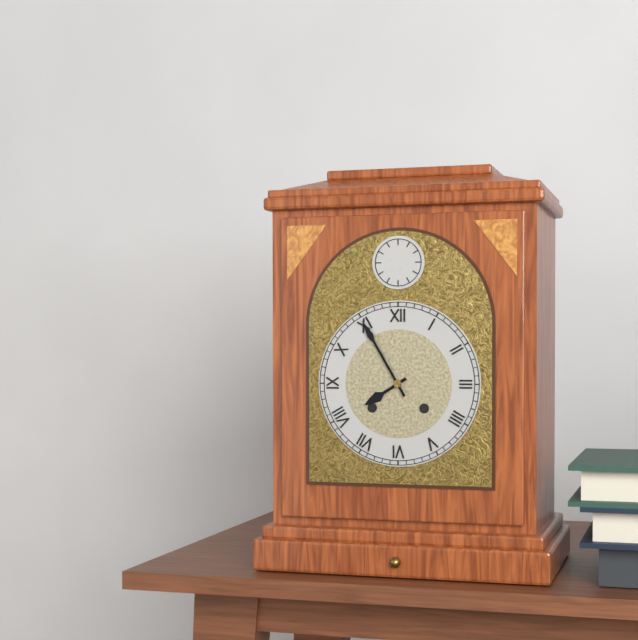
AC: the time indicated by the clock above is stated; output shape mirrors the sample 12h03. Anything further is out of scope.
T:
7h55
